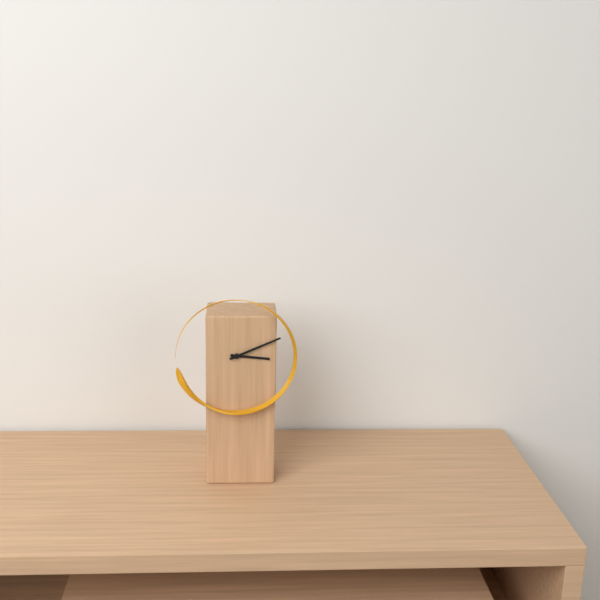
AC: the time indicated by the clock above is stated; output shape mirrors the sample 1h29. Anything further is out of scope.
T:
3h11
